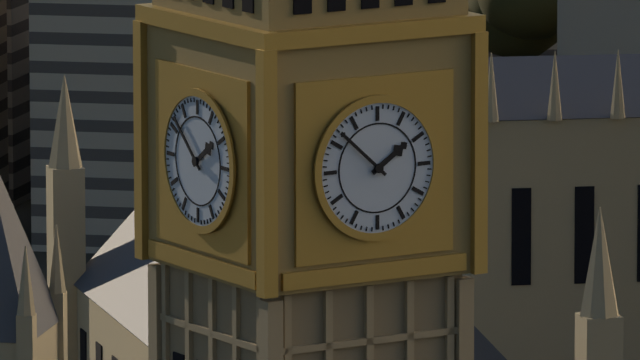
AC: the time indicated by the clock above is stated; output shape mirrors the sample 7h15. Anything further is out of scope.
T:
1h52
